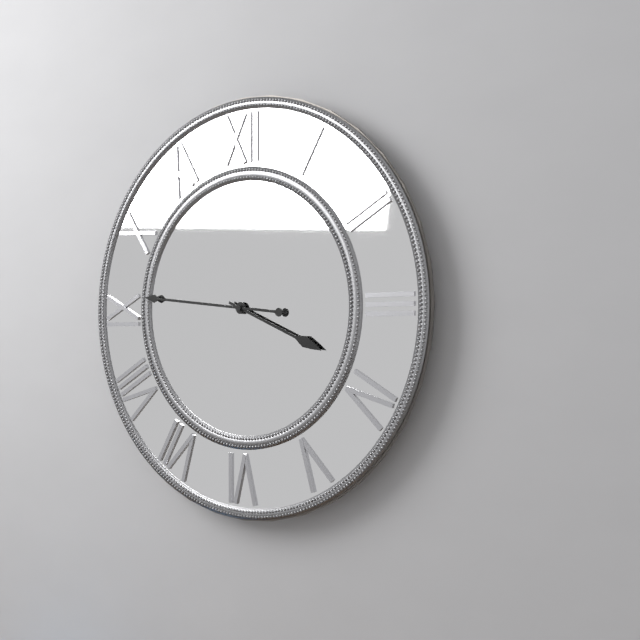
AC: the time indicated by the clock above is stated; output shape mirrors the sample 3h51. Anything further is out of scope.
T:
3h46
